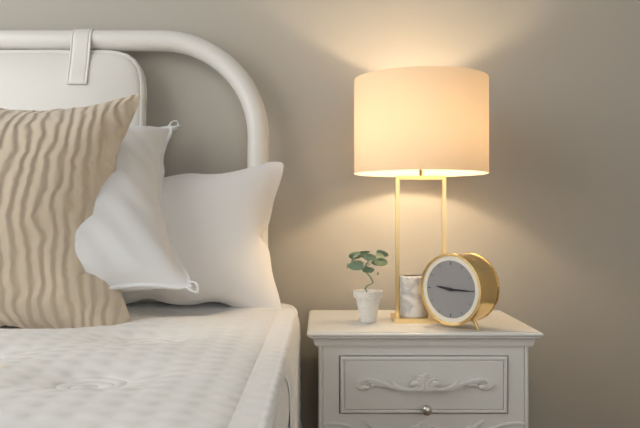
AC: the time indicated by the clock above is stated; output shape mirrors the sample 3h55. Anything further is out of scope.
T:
9h15
